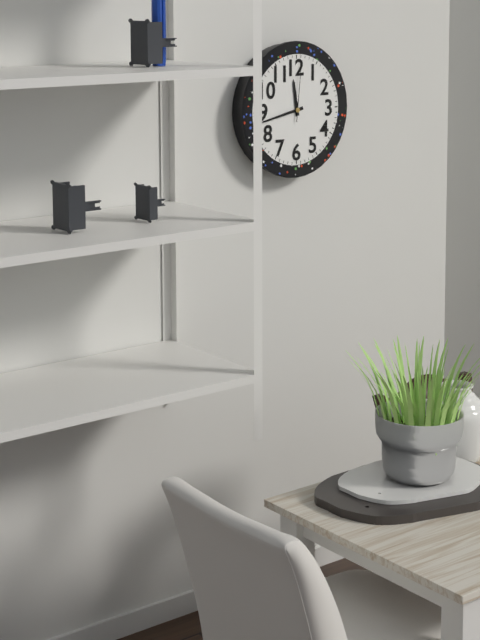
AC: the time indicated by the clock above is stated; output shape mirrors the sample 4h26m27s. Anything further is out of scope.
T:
11h43m01s
